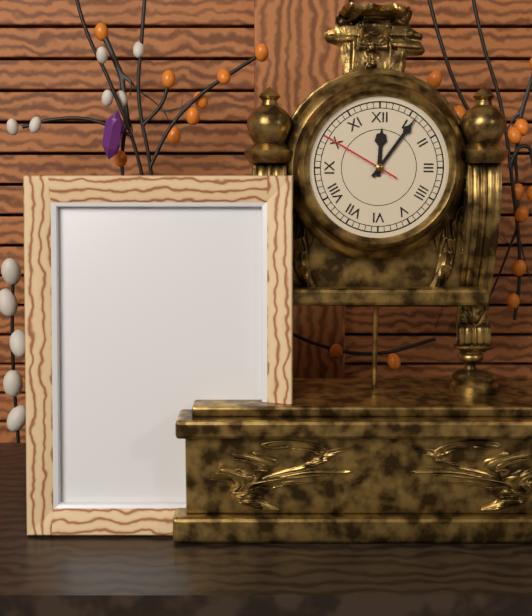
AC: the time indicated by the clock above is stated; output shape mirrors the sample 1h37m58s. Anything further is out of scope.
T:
12h06m50s
